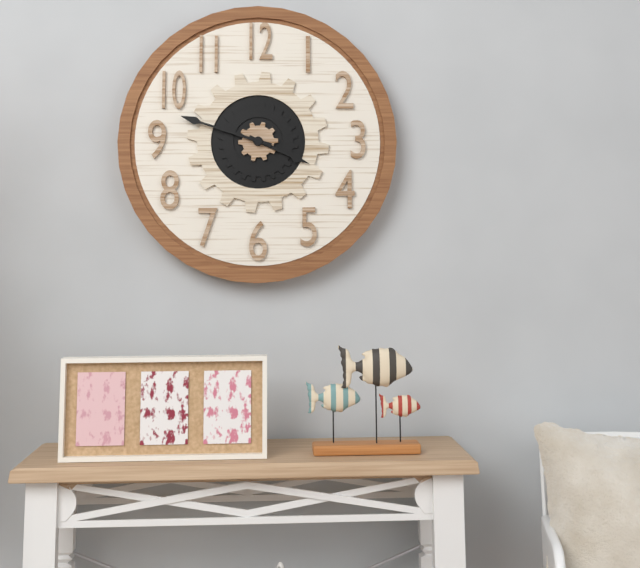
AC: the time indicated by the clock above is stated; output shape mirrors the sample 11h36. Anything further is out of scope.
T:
3h48
